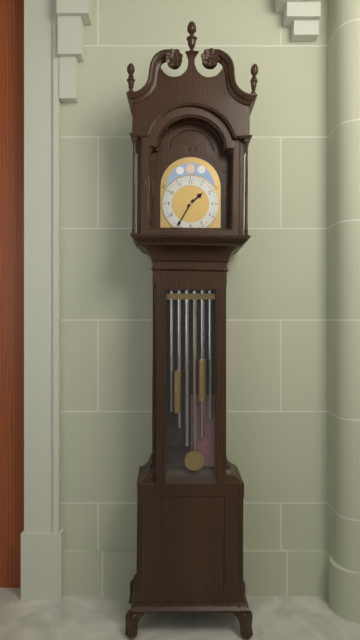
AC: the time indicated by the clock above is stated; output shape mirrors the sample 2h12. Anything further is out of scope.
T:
1h35
